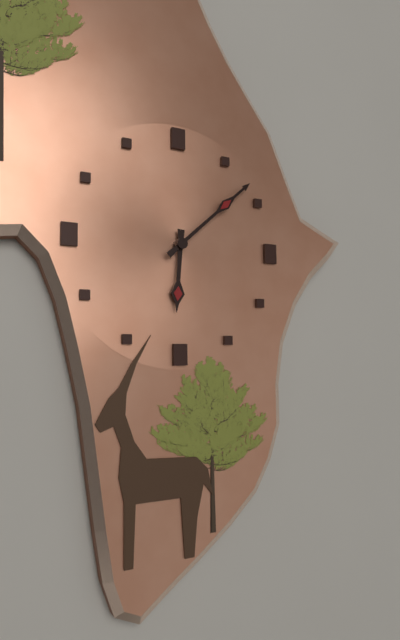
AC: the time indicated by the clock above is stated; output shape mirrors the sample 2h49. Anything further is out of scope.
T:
6h08
